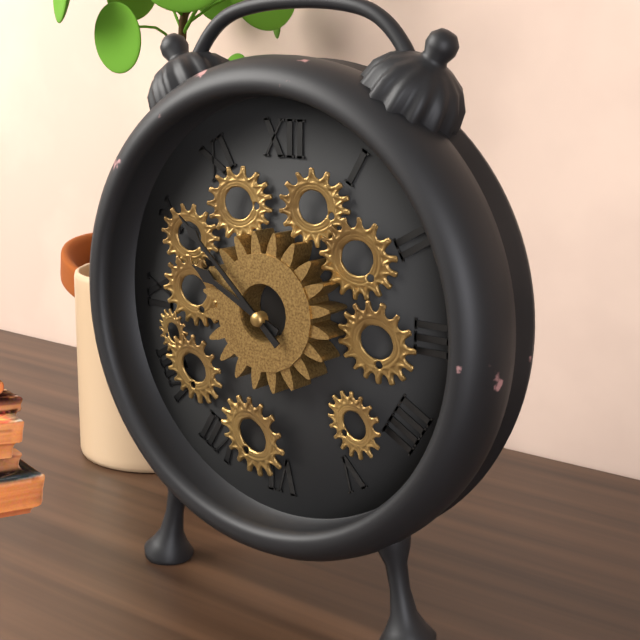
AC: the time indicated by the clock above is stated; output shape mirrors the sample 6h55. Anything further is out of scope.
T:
9h52
